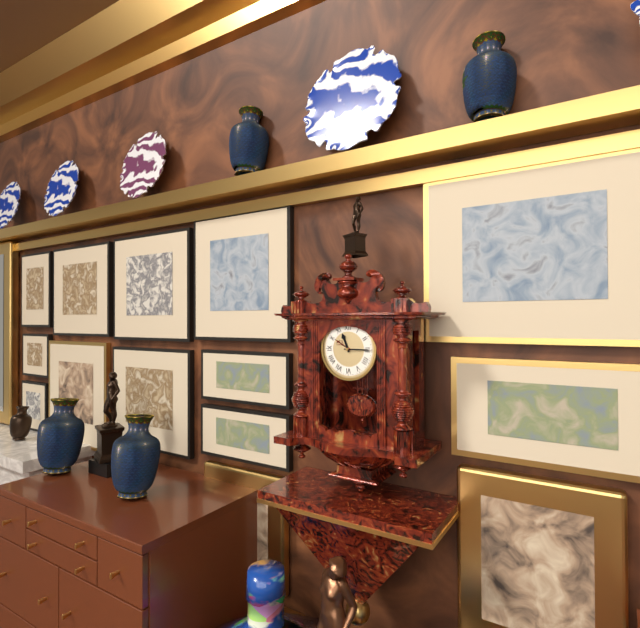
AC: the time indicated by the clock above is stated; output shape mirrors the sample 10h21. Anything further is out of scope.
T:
11h15
